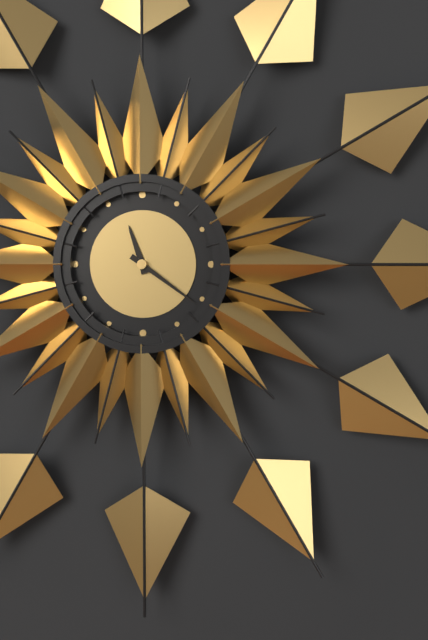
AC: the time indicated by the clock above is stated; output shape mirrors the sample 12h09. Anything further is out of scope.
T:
11h21
